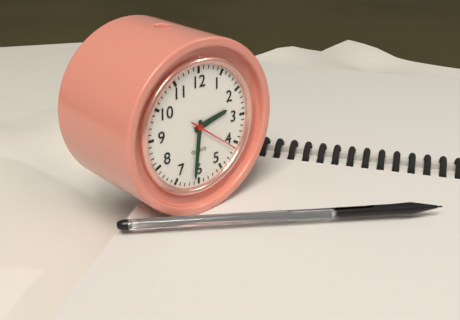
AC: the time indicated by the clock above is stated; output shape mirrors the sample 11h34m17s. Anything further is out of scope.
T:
2h31m21s
